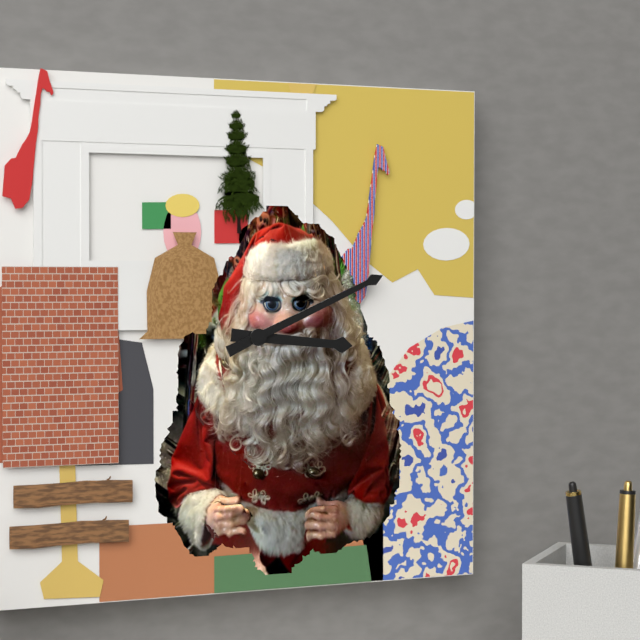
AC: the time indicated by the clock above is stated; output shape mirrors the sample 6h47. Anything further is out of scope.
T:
3h11
